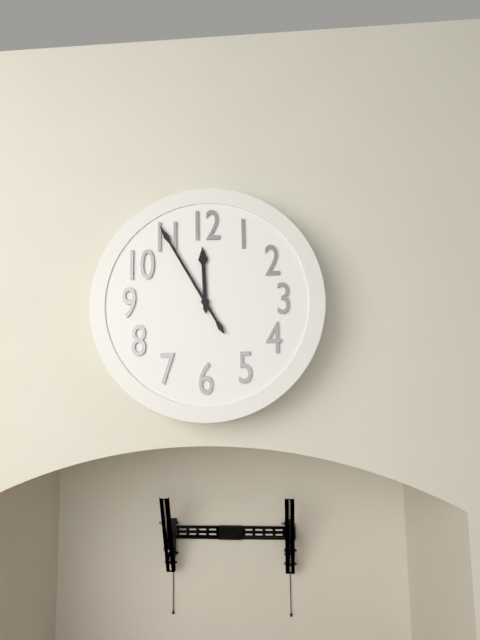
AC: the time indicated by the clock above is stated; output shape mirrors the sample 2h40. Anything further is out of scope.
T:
11h55
